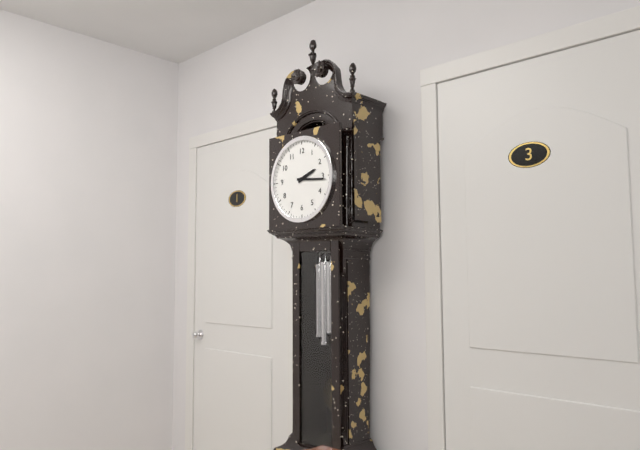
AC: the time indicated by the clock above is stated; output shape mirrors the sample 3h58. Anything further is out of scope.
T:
2h16
